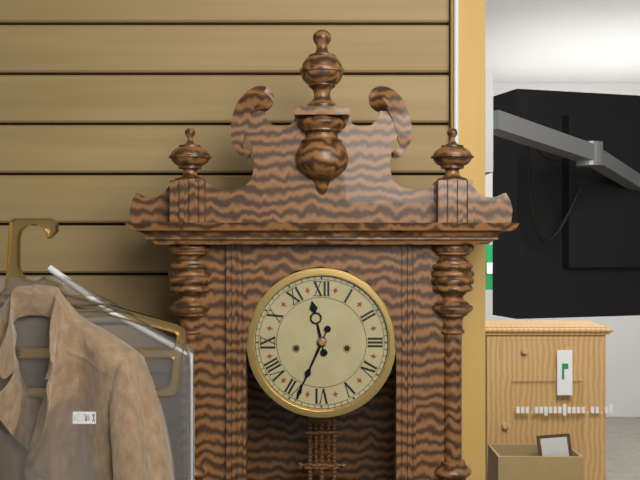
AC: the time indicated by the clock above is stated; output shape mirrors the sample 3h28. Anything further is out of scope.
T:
11h34
